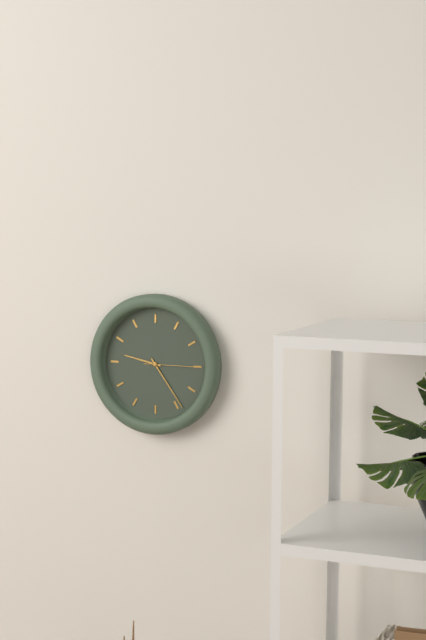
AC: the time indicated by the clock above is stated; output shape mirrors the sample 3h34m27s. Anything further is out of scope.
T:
9h24m15s
